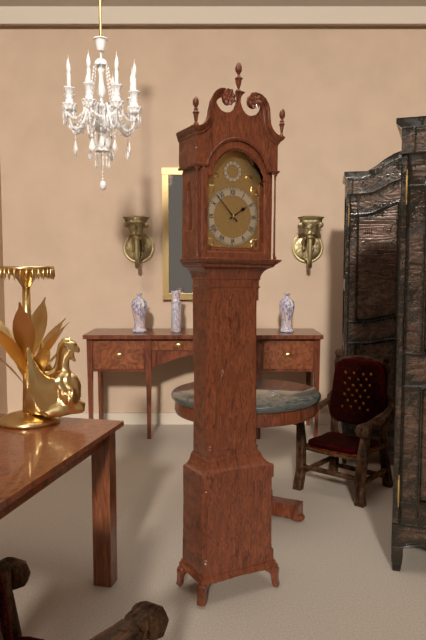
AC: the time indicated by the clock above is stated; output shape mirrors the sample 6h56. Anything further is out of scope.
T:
1h53
